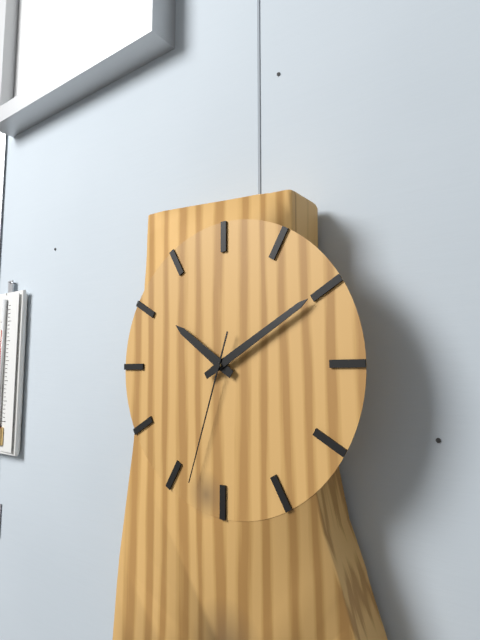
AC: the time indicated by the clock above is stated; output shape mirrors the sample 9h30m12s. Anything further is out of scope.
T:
10h10m33s
